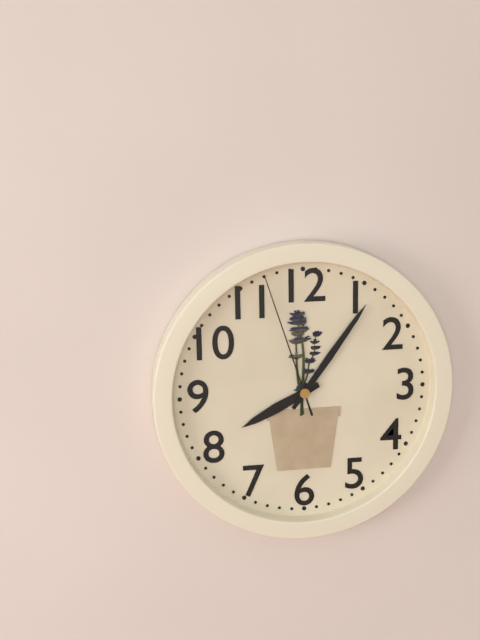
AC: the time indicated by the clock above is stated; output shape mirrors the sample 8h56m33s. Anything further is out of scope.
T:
8h06m57s
